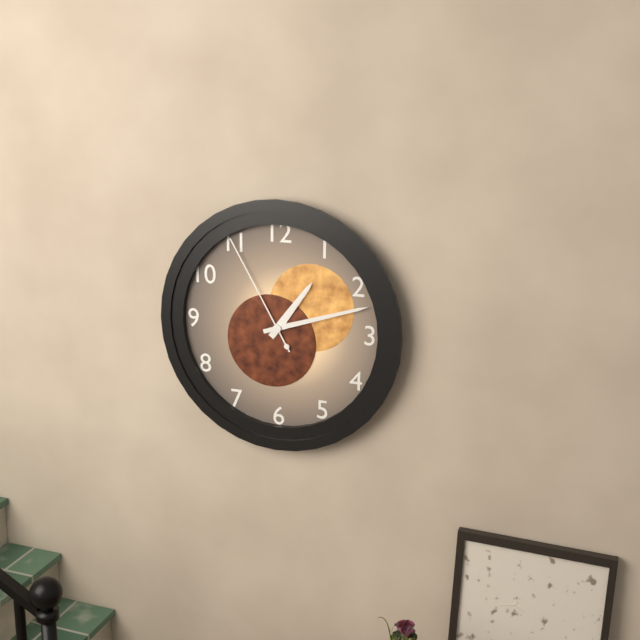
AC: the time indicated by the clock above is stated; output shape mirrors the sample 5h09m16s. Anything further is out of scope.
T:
1h12m55s
